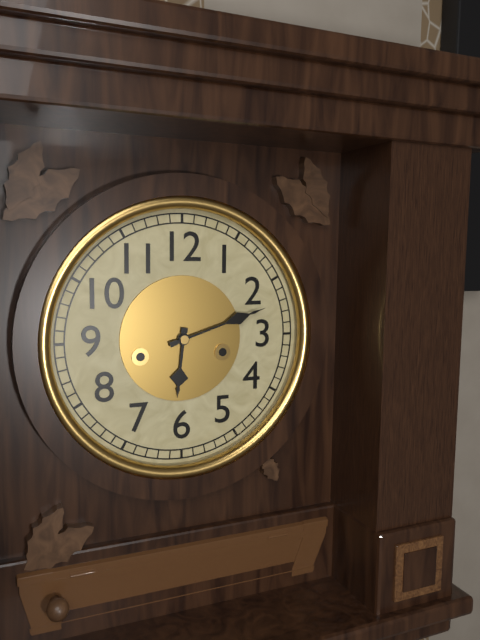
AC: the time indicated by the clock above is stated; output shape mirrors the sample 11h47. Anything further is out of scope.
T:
6h12
